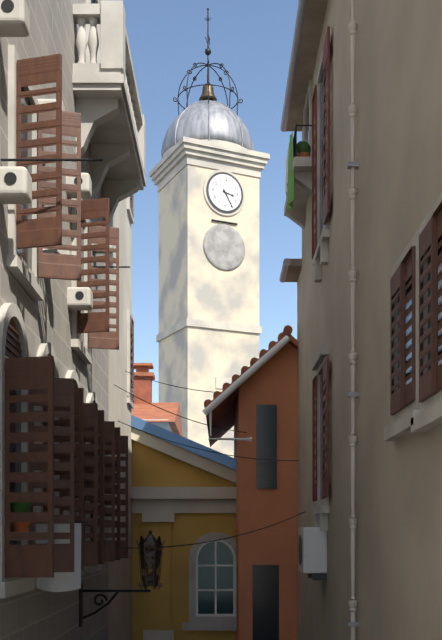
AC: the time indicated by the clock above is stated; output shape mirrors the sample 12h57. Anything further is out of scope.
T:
3h25
